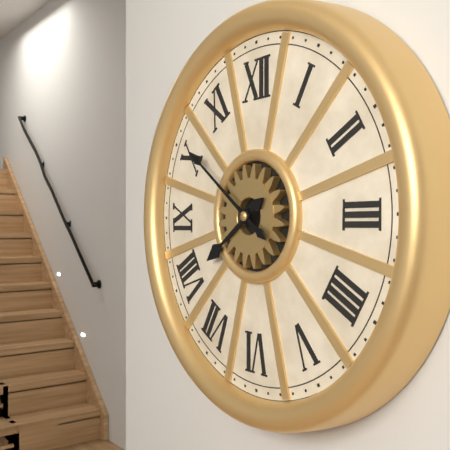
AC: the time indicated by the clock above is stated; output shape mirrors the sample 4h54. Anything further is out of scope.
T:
7h51
